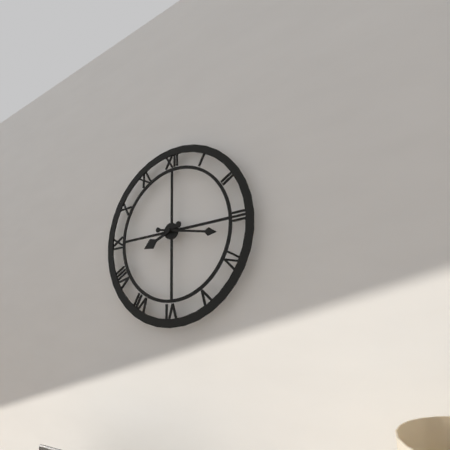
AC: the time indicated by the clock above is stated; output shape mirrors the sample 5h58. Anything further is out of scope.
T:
8h17
